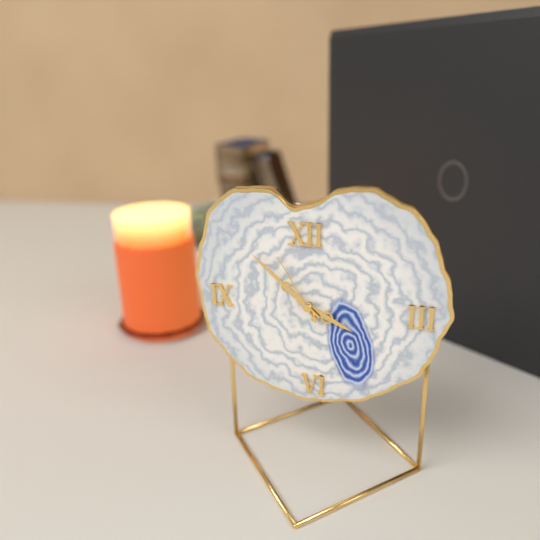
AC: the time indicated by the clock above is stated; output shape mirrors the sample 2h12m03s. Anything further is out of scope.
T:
3h52m55s
